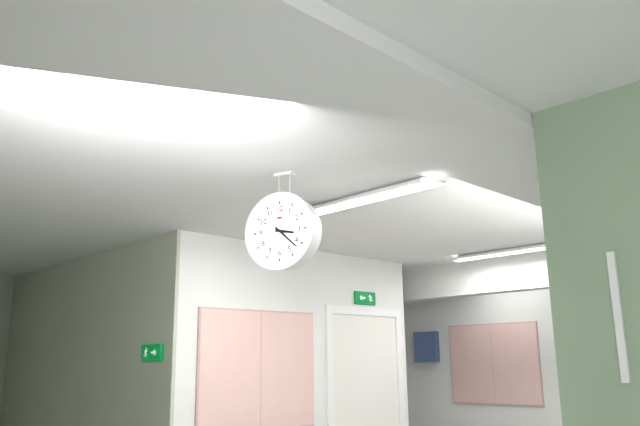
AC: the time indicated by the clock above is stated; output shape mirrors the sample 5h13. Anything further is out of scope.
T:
3h22
